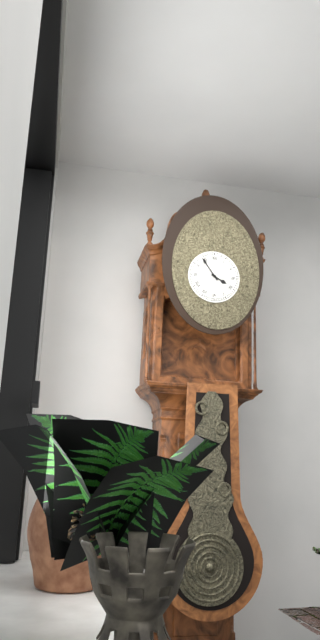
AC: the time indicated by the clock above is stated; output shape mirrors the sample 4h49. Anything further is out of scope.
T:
3h54
